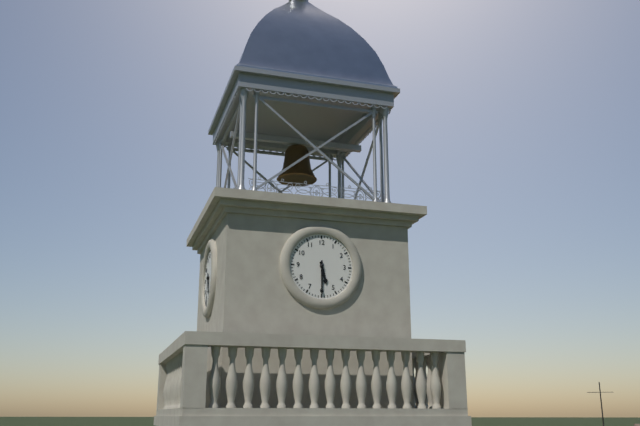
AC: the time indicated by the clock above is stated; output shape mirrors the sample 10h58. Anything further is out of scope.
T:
5h30
